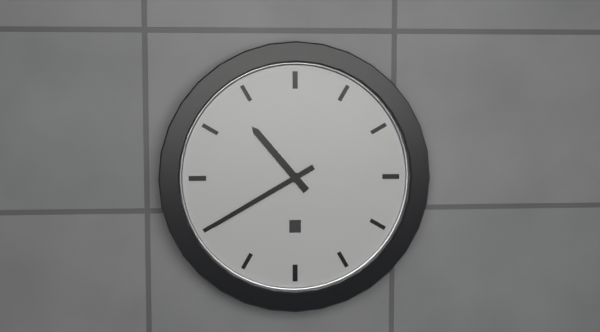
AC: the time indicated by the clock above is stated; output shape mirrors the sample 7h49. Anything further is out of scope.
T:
10h40
